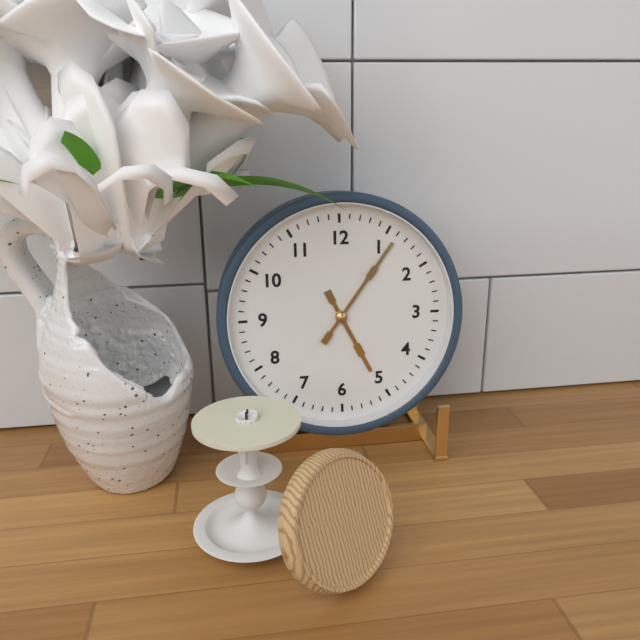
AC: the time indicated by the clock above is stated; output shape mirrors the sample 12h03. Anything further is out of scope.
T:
5h06
